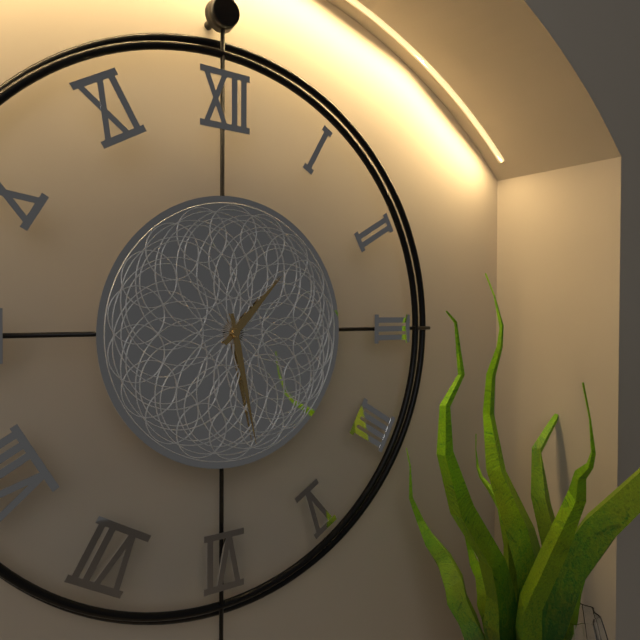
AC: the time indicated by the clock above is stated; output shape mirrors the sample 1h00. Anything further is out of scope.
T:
1h28
